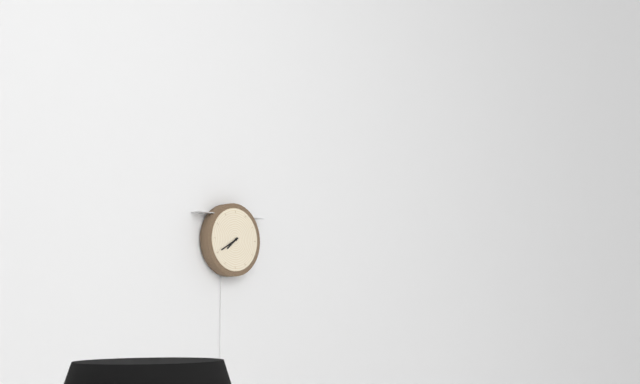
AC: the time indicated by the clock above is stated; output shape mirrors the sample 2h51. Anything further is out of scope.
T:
7h40
